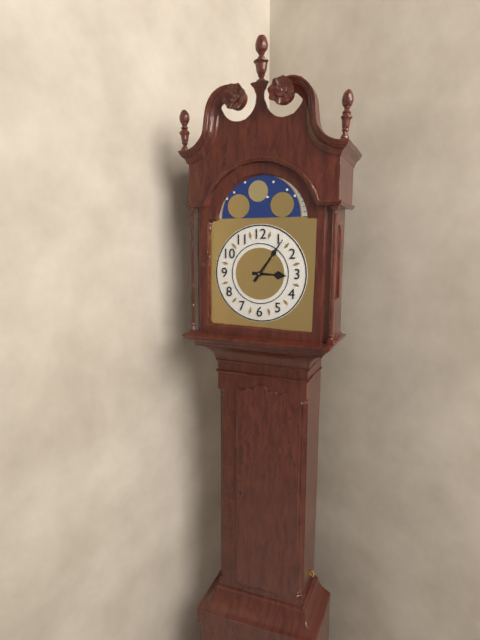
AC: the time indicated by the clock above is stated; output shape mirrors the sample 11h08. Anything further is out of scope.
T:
3h06
